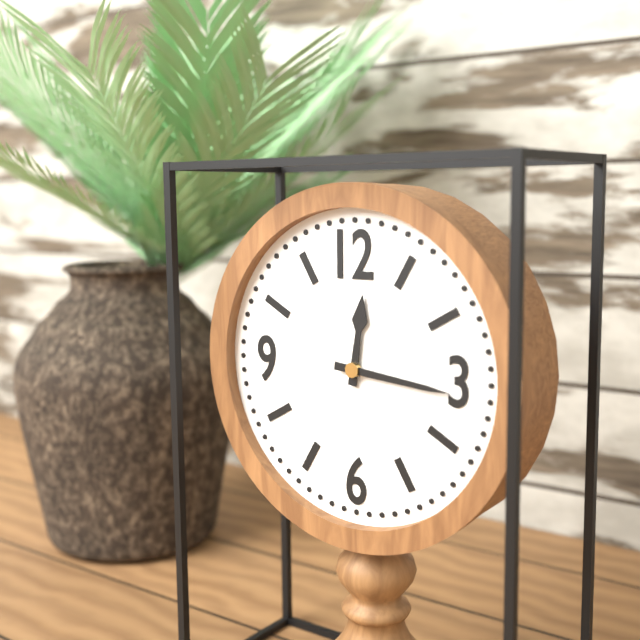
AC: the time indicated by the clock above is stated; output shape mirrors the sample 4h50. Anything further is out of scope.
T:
12h16
